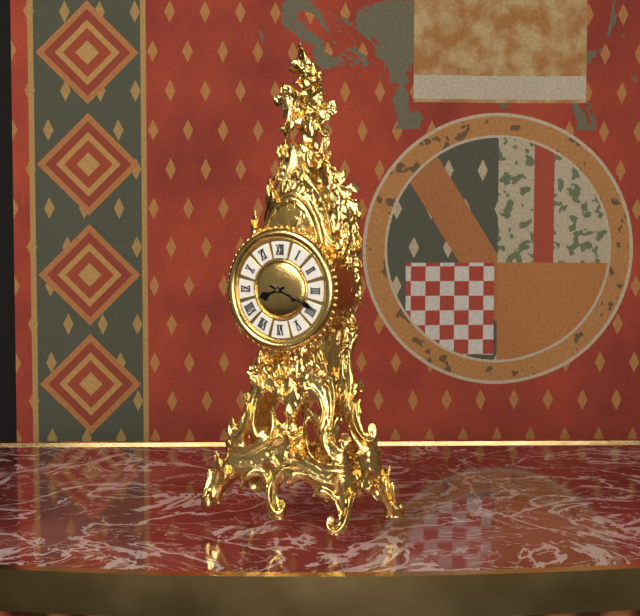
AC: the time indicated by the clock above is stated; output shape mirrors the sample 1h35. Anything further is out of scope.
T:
8h19
